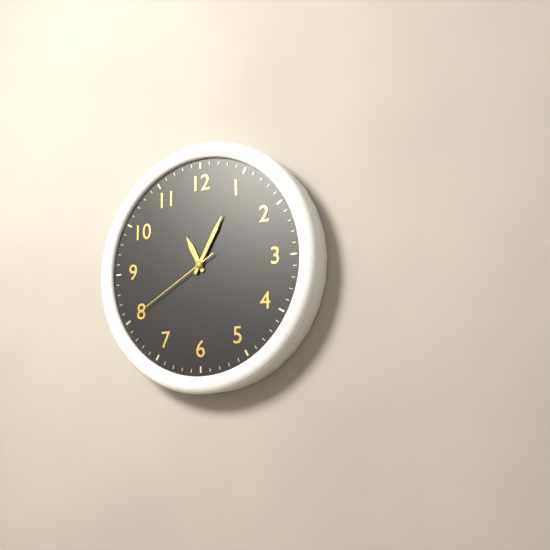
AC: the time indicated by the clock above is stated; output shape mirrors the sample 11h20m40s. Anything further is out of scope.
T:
11h05m40s
